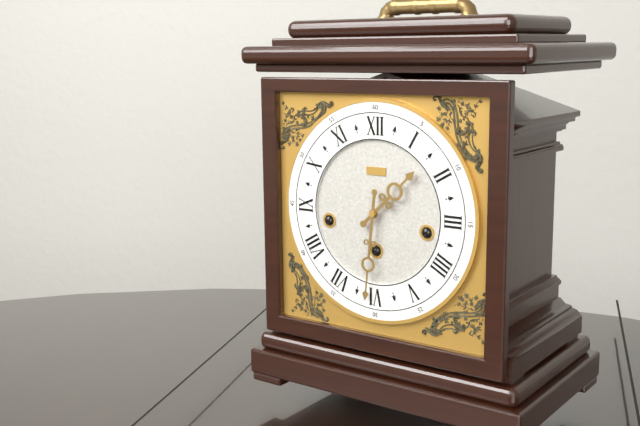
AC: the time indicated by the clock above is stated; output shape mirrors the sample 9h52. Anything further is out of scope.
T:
1h31
